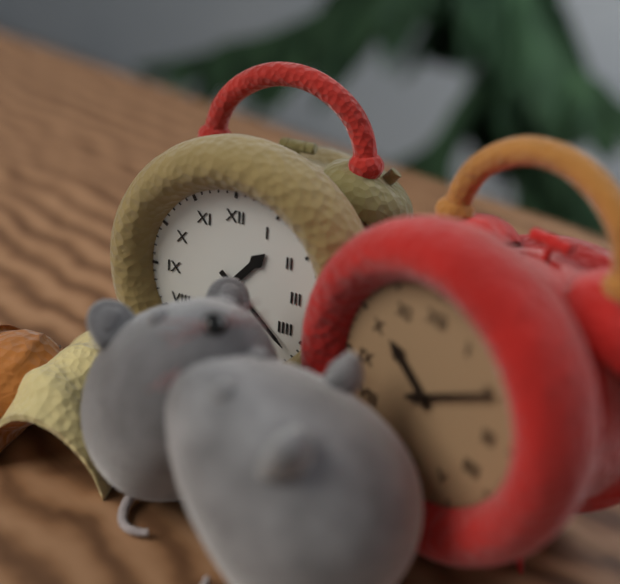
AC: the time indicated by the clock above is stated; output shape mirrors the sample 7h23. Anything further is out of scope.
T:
1h22
